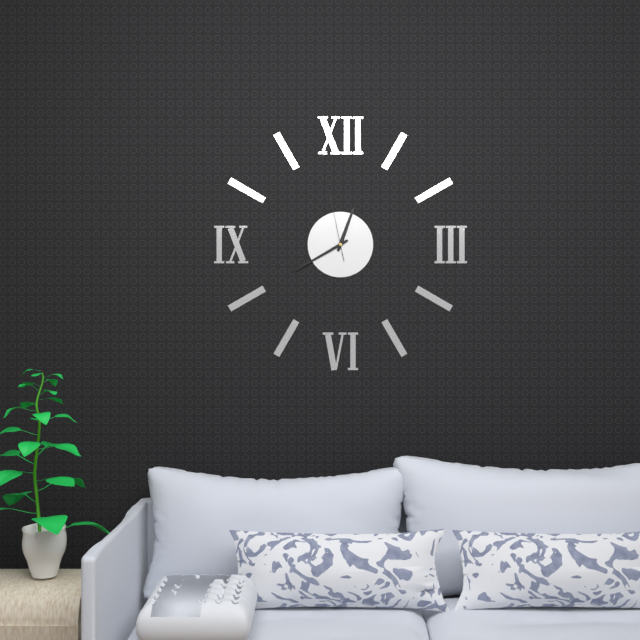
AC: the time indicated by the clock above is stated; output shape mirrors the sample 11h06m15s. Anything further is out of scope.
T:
12h40m58s
